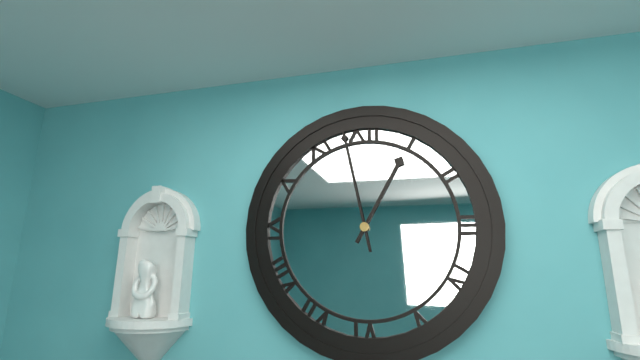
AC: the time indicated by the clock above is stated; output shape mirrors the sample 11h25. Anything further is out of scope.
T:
12h58
